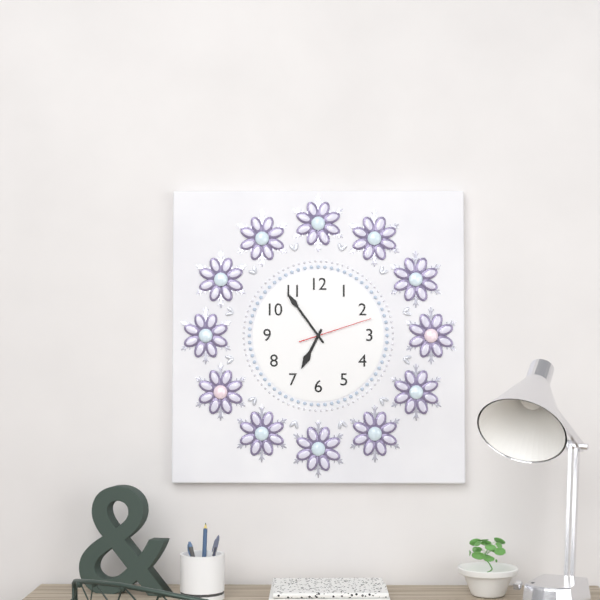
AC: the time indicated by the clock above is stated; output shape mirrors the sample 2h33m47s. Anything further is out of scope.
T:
6h54m12s
